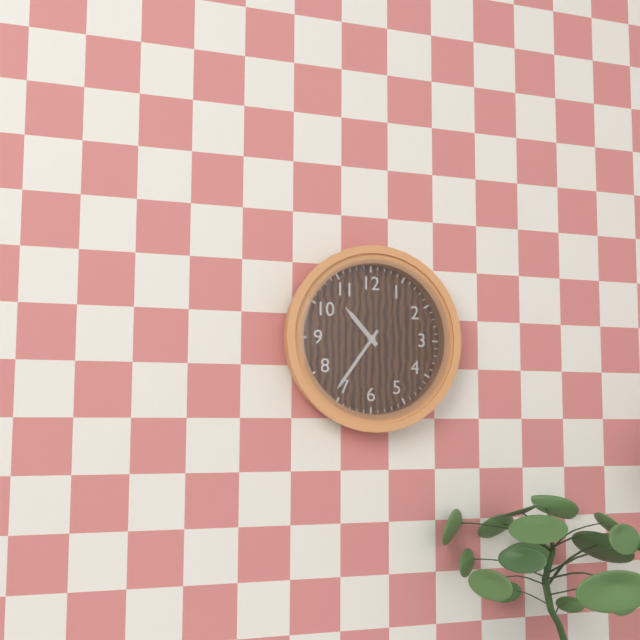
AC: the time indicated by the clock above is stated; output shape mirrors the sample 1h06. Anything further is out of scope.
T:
10h36
